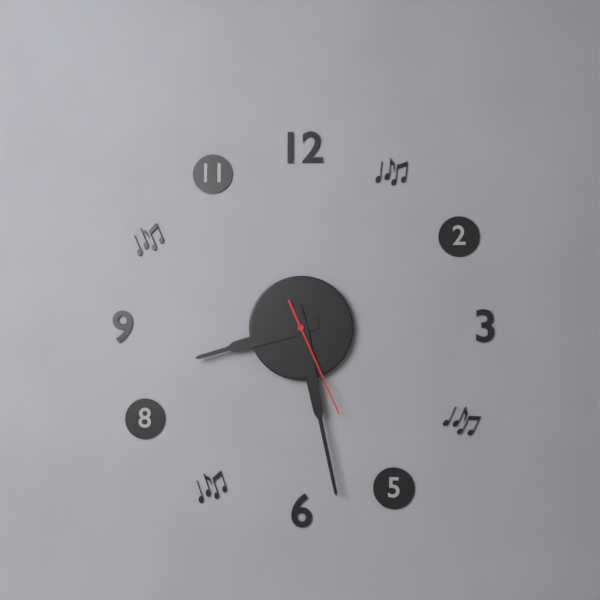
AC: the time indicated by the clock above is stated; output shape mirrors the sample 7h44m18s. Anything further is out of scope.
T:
8h28m26s
